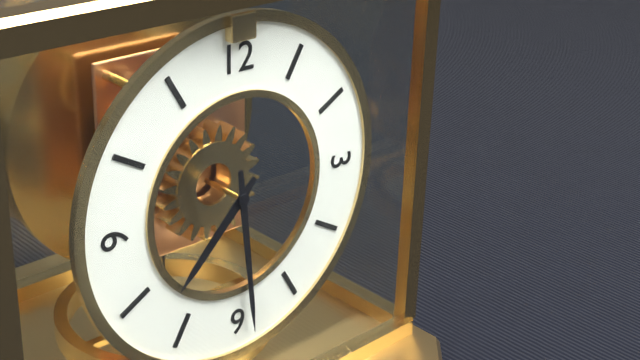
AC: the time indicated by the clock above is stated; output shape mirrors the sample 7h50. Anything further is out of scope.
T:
7h29
